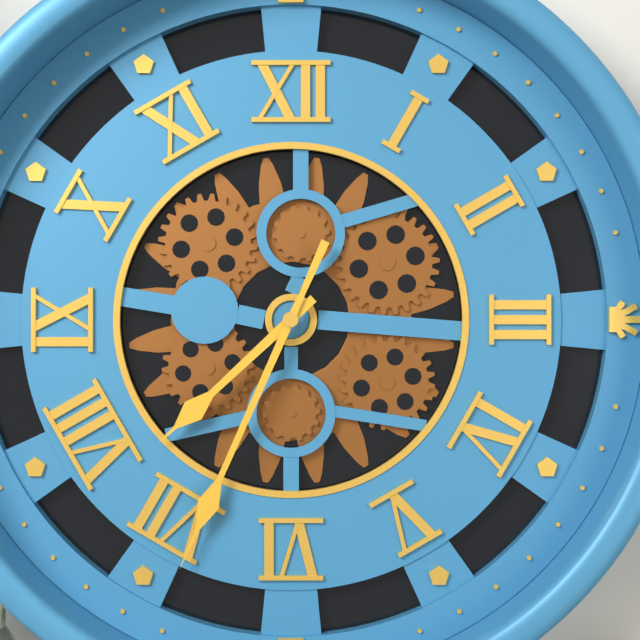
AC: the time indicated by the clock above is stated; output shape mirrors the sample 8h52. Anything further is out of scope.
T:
7h34
